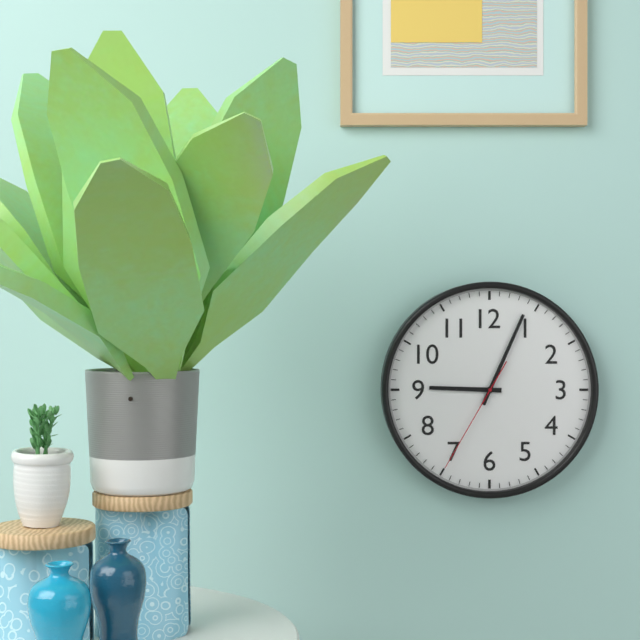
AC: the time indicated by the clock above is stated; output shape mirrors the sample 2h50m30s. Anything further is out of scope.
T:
9h04m35s
